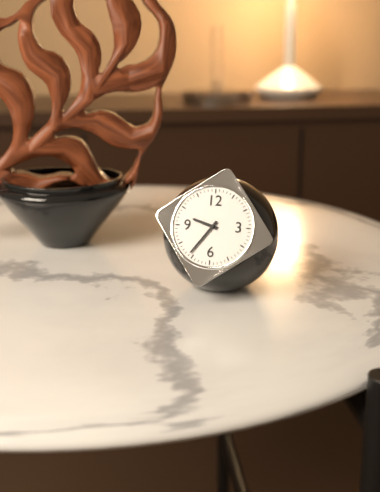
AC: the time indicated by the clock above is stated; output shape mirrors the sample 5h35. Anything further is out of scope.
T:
9h36
